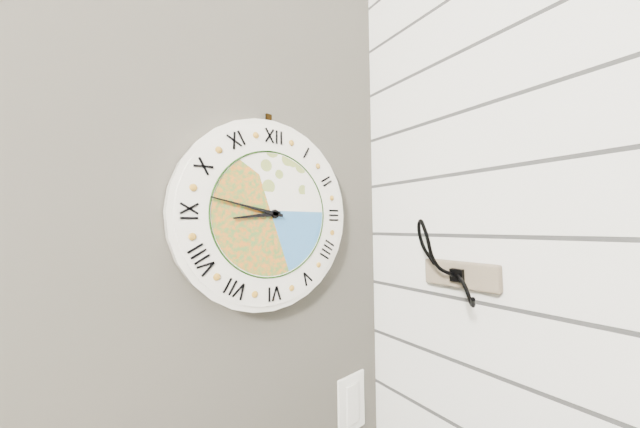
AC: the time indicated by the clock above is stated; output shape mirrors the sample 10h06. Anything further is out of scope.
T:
8h47
